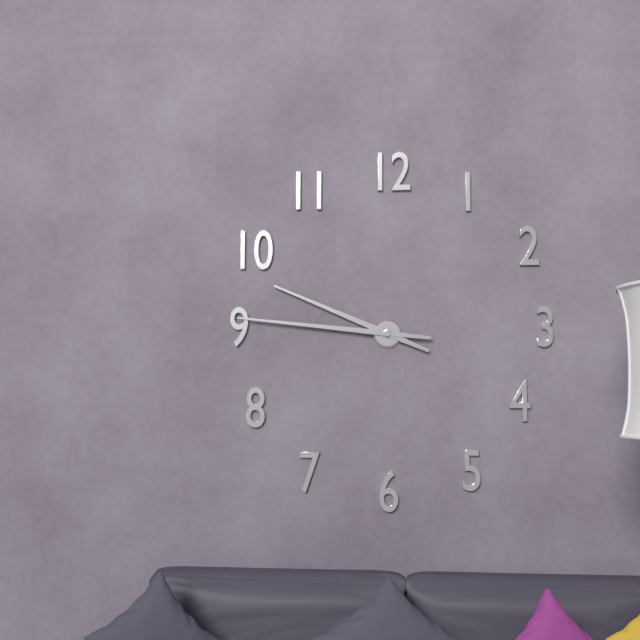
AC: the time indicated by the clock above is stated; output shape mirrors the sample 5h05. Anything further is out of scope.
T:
9h46
